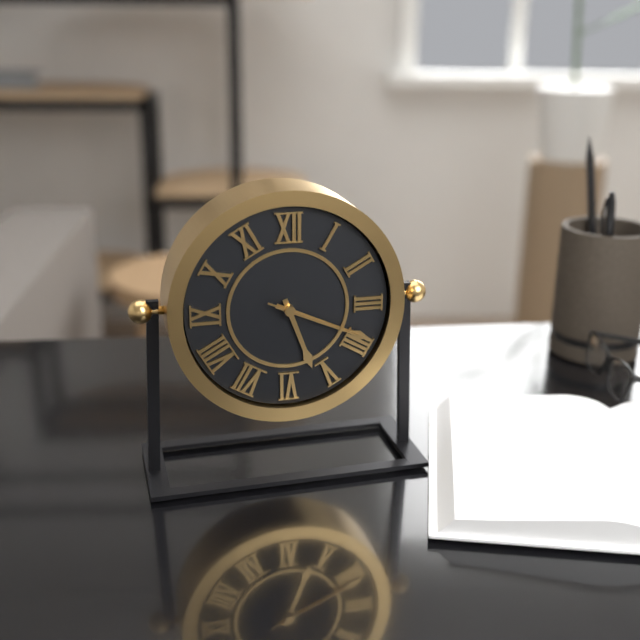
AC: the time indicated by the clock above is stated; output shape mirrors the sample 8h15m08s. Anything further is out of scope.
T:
5h19m19s
